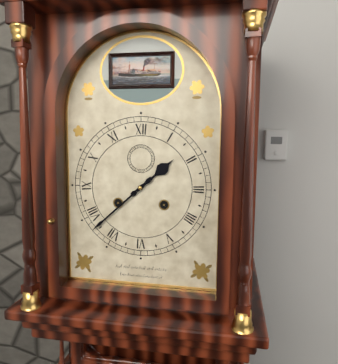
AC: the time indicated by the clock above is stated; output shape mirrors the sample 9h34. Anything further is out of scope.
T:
1h38
